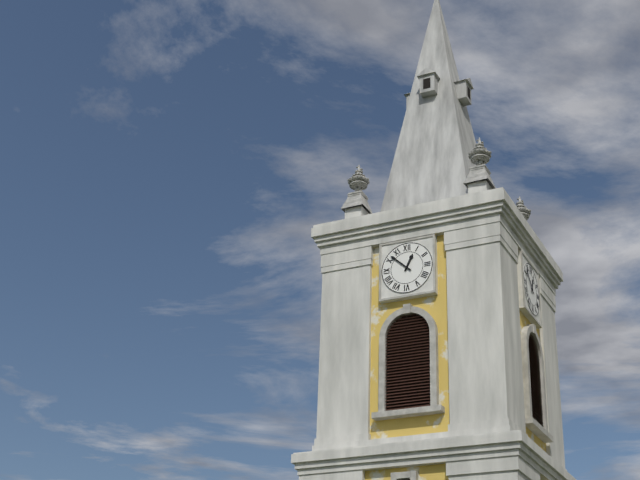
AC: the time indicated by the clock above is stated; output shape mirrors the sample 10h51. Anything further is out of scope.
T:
12h52
